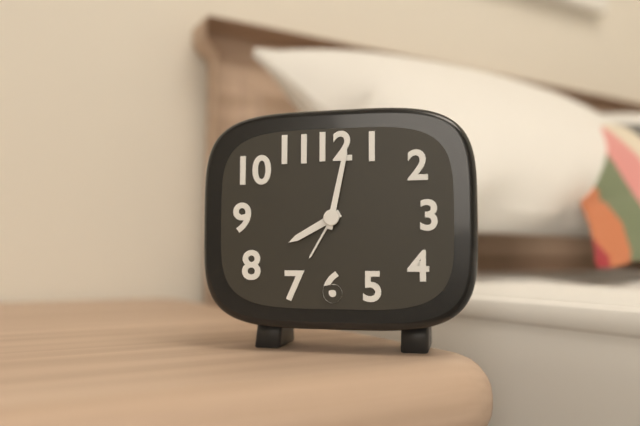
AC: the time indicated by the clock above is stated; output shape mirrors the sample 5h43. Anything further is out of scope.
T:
8h02
